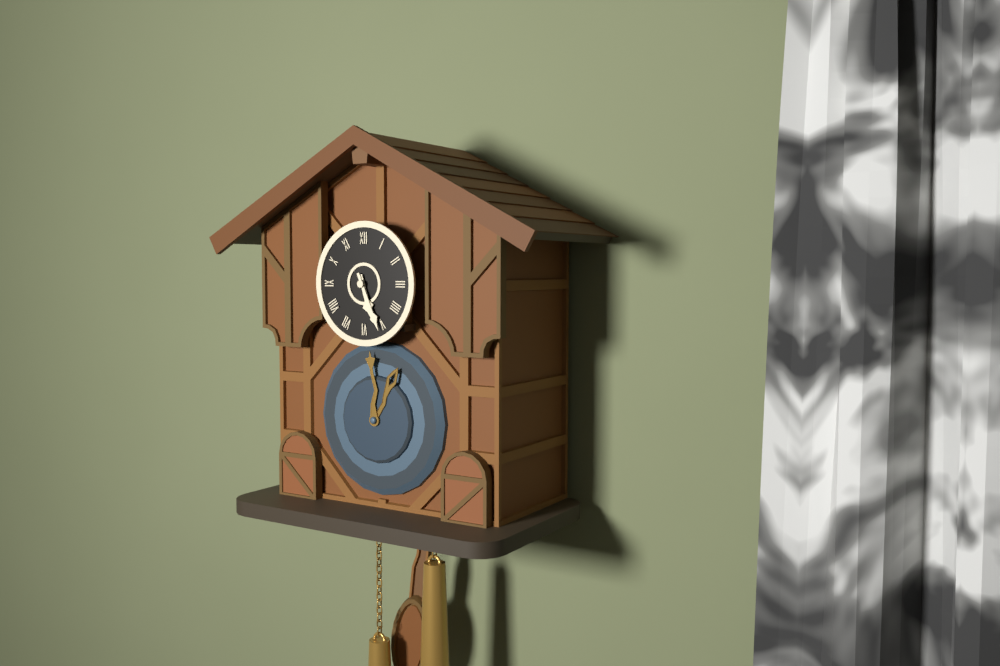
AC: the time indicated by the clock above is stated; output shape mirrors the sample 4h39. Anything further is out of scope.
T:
5h26
